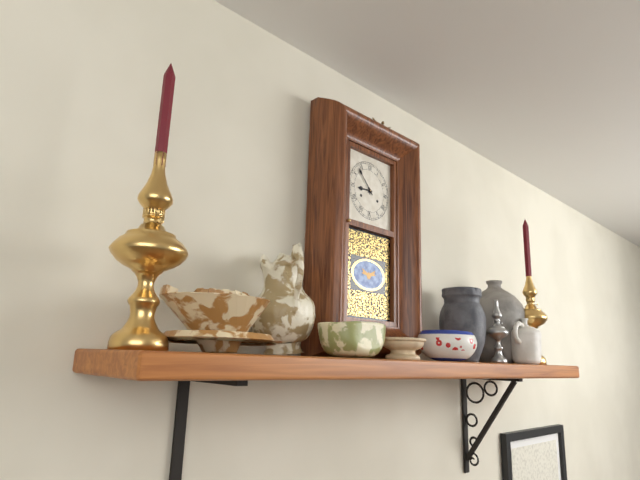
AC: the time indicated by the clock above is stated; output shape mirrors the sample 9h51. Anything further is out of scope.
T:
8h53
